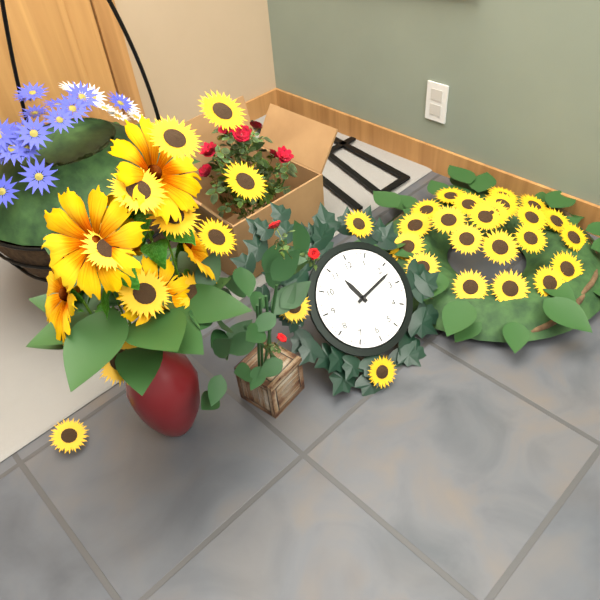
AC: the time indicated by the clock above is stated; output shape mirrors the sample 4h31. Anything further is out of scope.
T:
11h12
